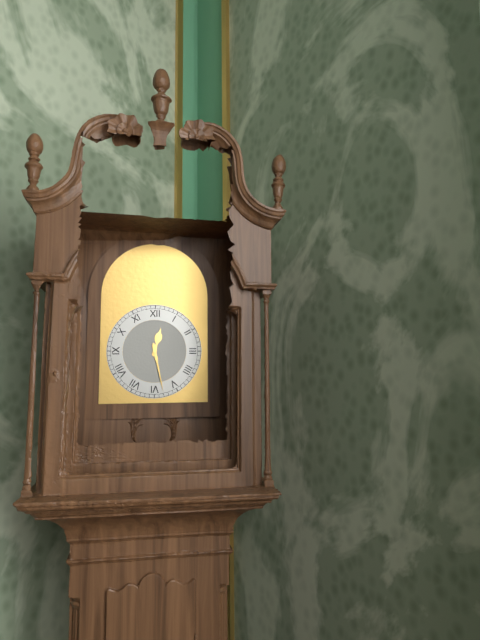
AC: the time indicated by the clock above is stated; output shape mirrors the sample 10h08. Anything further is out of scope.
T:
12h28
